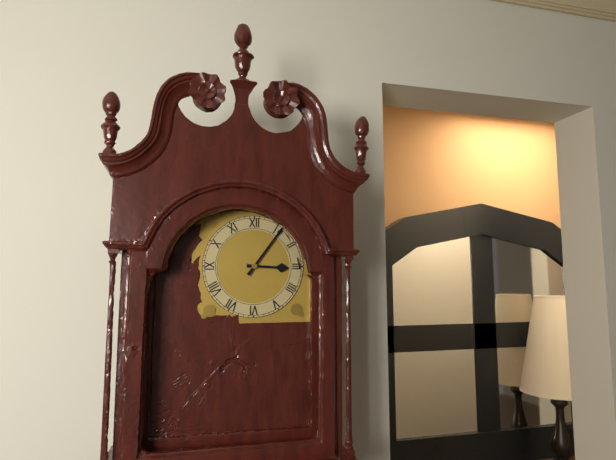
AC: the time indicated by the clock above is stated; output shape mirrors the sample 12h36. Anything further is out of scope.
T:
3h06
